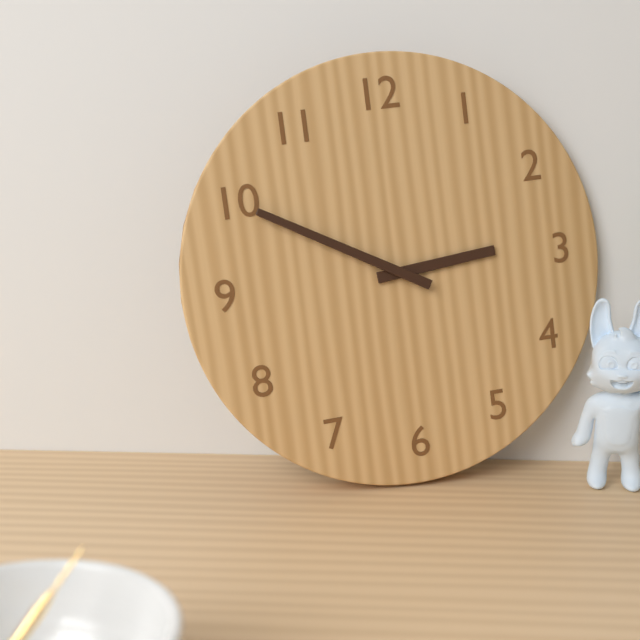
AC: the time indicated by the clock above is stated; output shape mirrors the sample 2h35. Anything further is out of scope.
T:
2h50
